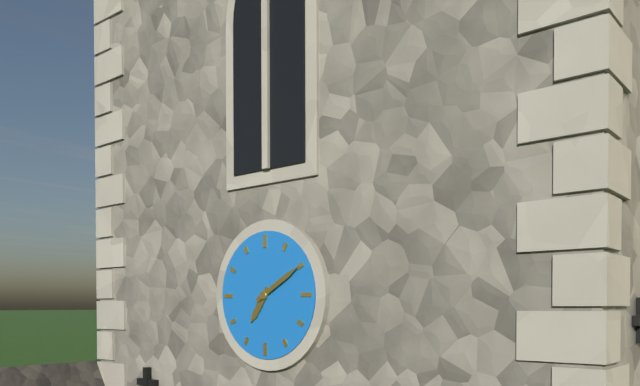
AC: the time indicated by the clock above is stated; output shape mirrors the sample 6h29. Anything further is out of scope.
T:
7h10
